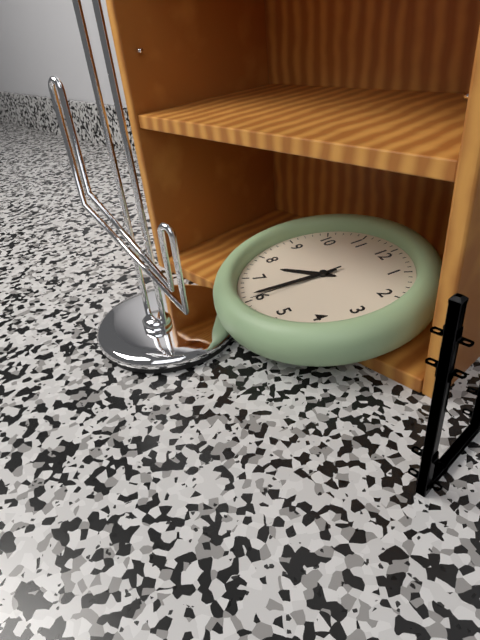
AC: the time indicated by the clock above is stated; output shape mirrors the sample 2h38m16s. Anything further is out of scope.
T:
7h31m30s
